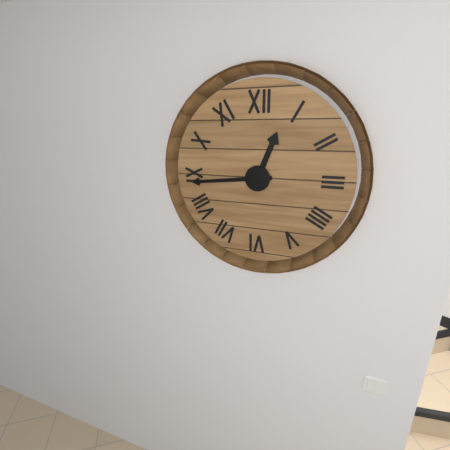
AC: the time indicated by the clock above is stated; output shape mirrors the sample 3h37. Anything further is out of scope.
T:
12h44
